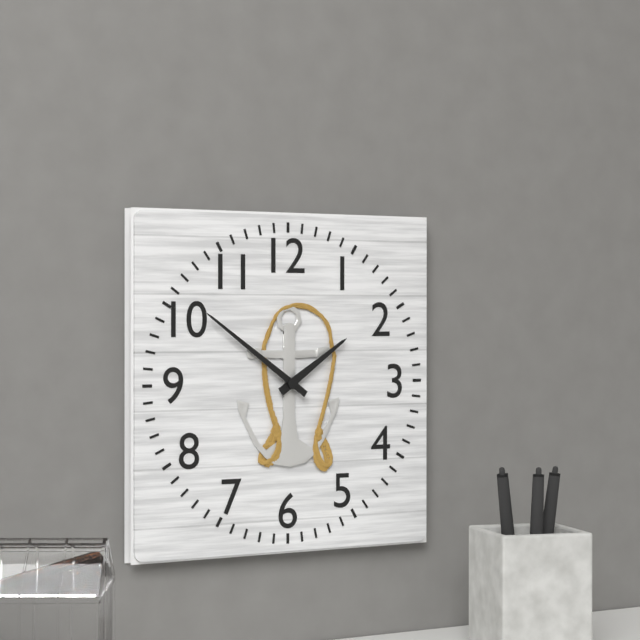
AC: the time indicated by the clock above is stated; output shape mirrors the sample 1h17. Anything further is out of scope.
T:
1h51
